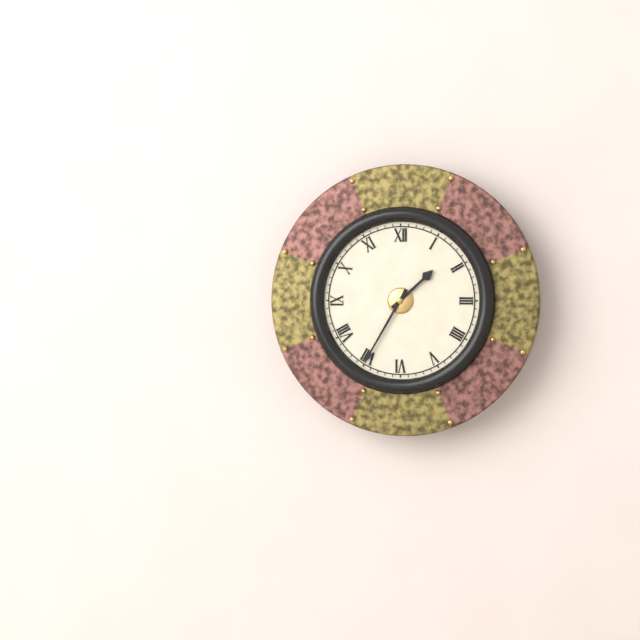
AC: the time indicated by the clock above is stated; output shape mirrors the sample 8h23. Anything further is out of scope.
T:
1h35
